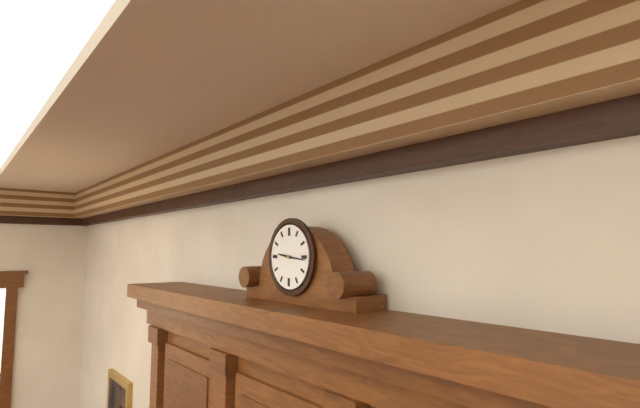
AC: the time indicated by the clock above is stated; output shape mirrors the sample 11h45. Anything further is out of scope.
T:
9h16
